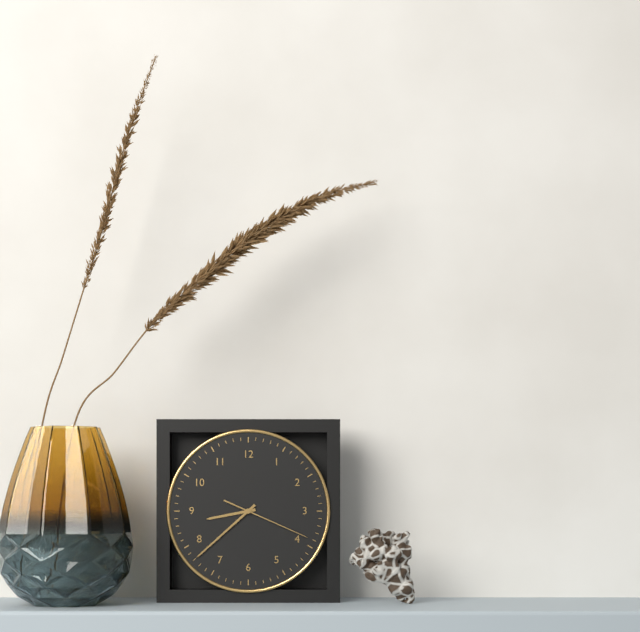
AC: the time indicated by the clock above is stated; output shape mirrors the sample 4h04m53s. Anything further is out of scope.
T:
8h38m19s
